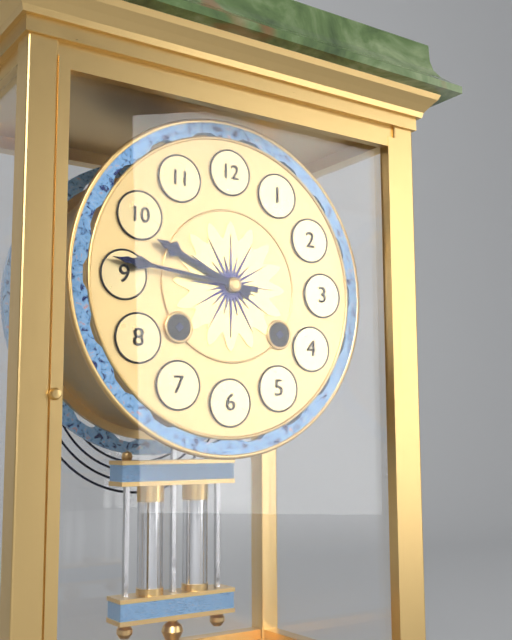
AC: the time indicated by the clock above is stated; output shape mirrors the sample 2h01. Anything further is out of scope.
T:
9h46
